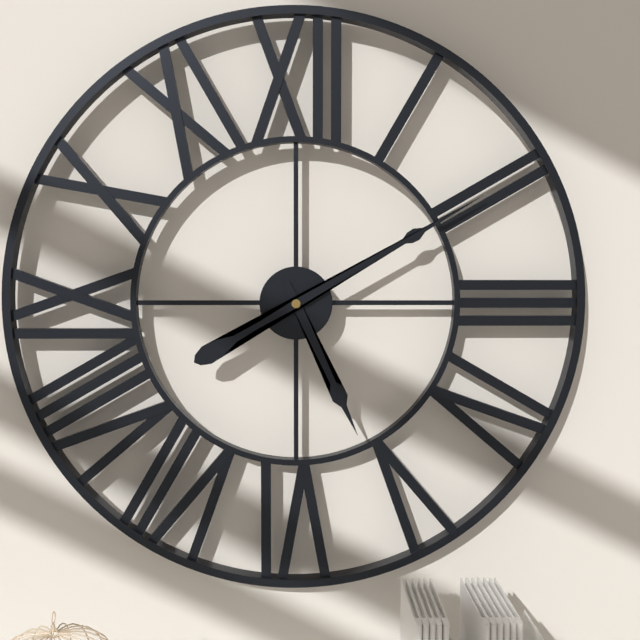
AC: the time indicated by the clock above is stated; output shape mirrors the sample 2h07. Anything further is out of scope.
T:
5h10
